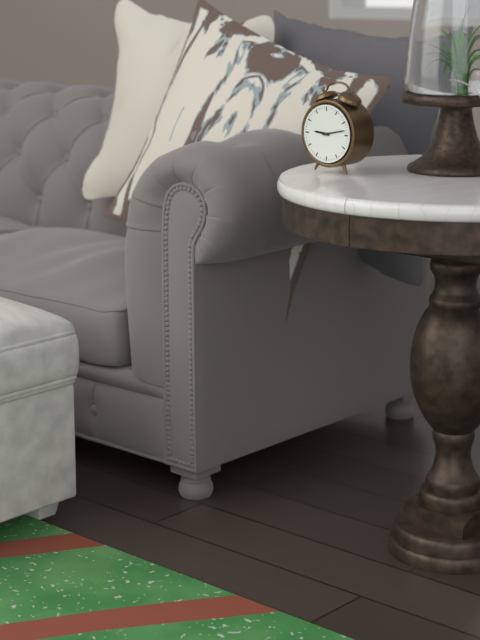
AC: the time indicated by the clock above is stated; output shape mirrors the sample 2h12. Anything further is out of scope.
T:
9h13
